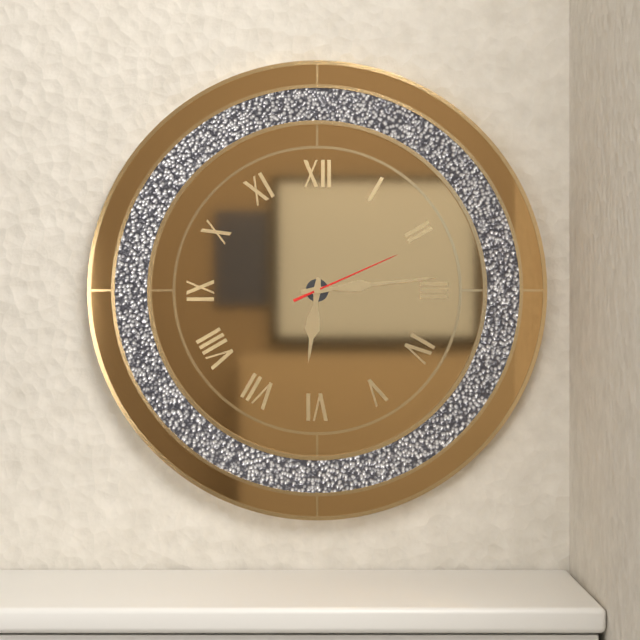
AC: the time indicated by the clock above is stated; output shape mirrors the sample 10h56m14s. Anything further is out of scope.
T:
6h14m11s
